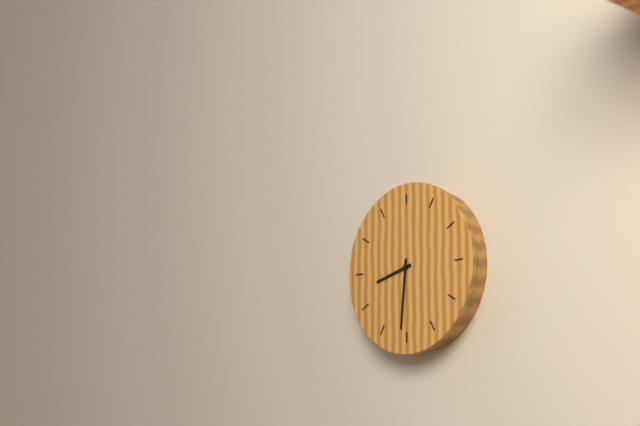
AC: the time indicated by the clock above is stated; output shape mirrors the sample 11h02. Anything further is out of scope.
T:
8h31
